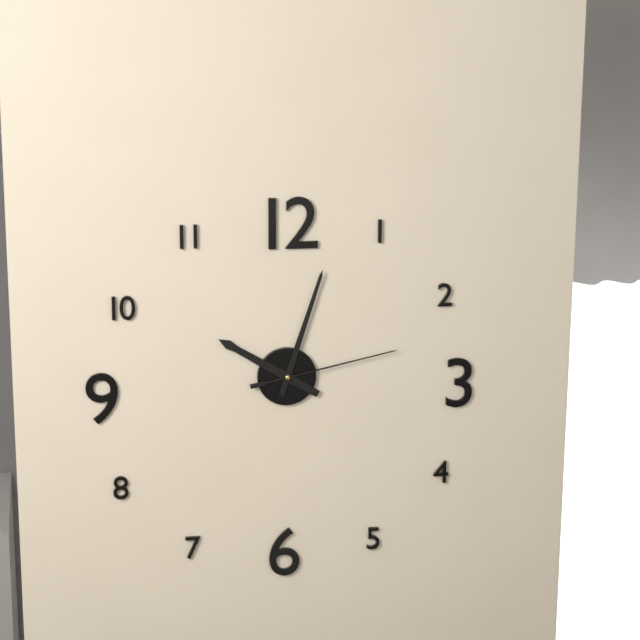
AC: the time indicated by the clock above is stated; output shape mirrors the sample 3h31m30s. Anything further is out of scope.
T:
10h03m13s
